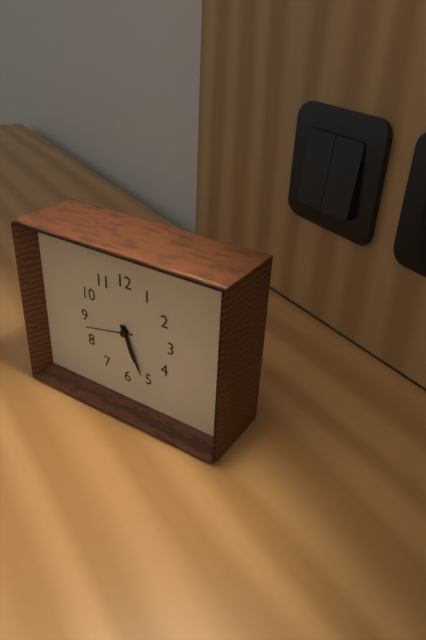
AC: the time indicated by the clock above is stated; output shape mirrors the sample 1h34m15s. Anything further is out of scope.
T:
5h26m43s
